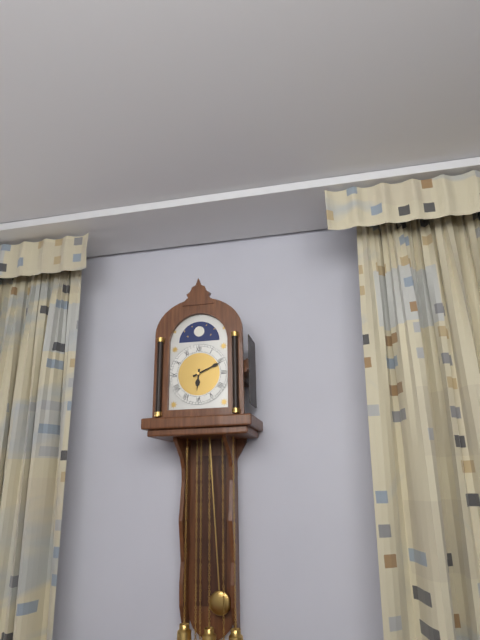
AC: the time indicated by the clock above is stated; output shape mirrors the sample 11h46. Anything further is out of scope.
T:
6h11
